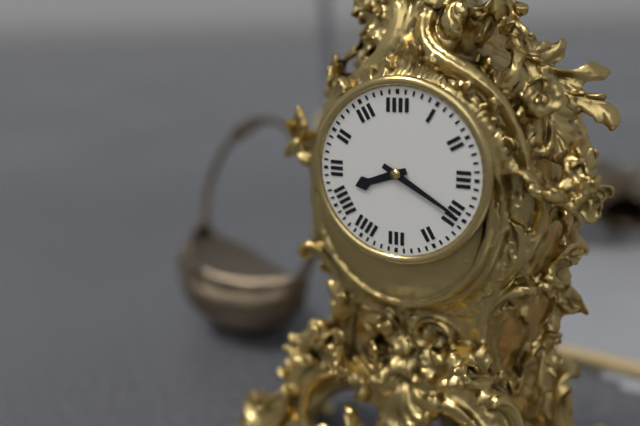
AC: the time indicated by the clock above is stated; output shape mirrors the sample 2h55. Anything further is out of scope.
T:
8h20
